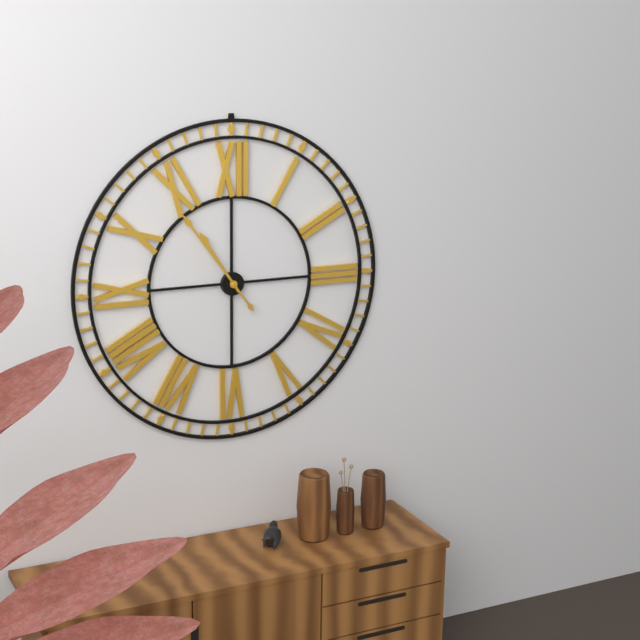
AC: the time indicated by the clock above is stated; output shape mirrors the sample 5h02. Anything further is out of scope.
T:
10h54
